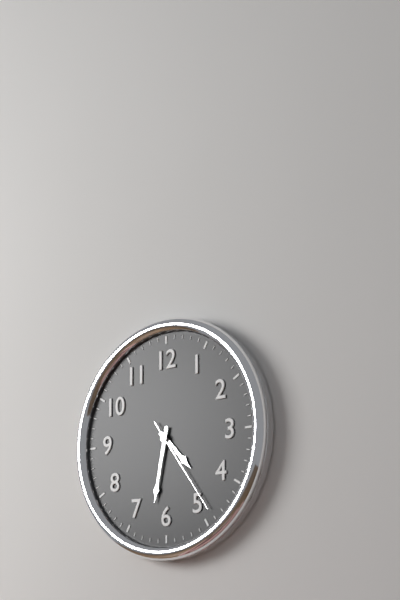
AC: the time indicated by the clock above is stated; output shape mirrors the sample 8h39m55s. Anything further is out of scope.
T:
4h32m24s
